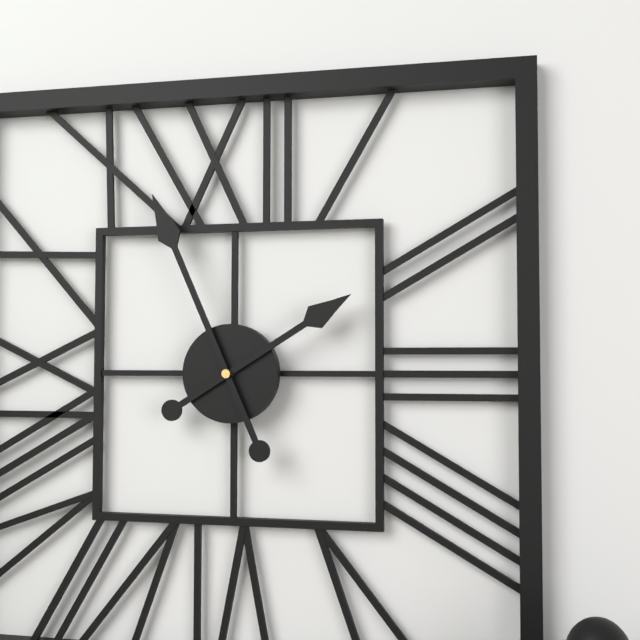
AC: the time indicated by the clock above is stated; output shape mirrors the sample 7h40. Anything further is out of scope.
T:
1h56
